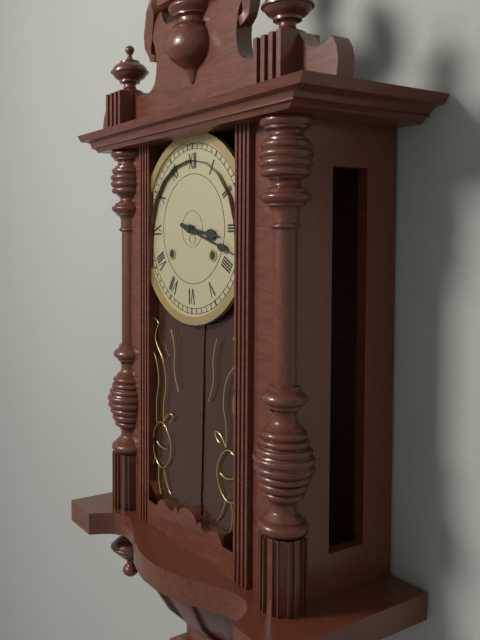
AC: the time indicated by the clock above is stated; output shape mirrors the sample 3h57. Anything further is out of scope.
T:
3h18
